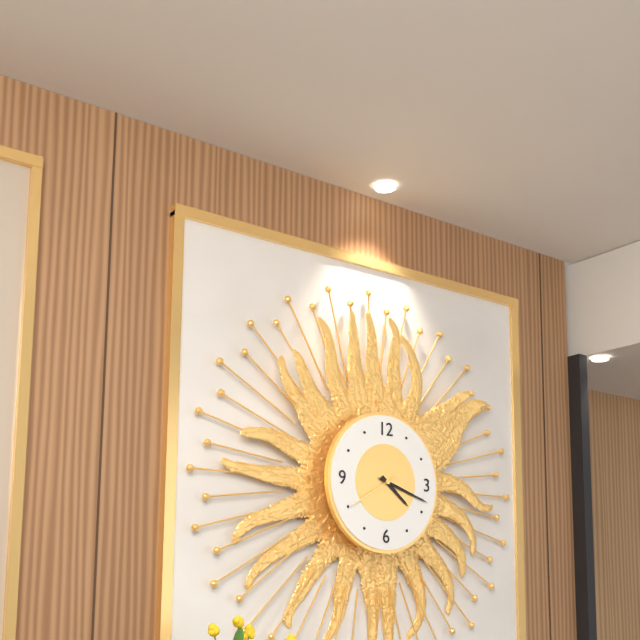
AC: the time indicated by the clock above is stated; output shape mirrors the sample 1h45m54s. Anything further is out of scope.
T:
4h18m40s
